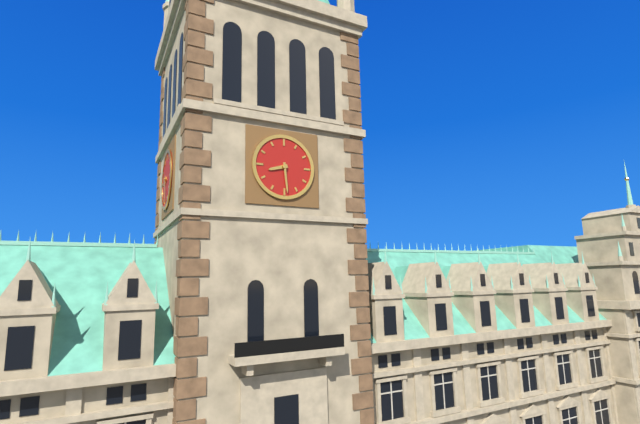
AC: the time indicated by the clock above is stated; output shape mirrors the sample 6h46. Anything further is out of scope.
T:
8h29
